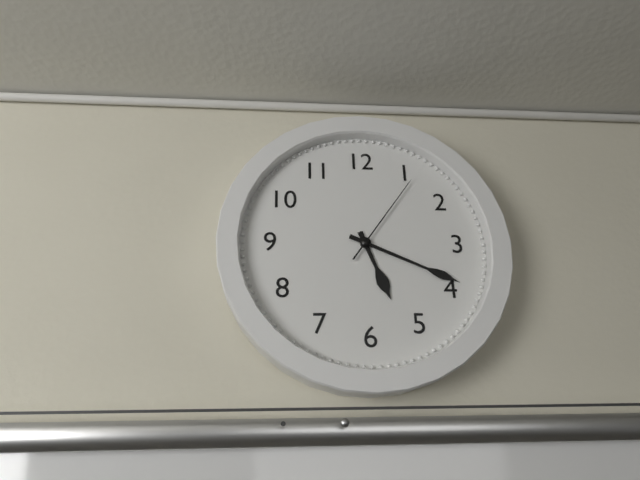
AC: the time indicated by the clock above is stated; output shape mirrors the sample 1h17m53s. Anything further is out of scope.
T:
5h19m06s
